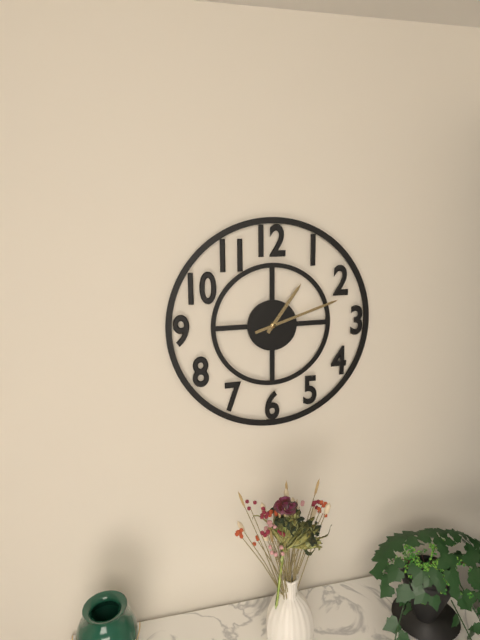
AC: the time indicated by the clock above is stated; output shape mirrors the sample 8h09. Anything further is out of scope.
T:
1h12
